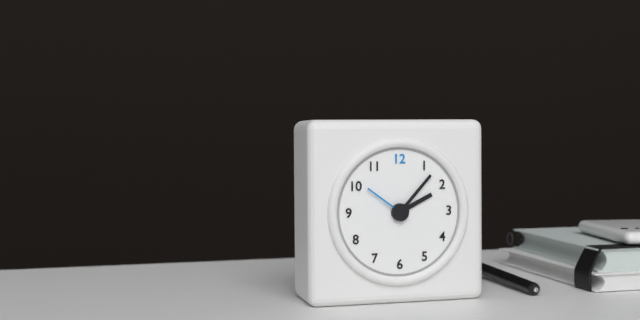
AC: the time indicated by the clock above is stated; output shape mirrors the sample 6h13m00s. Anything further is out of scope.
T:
2h07m51s
